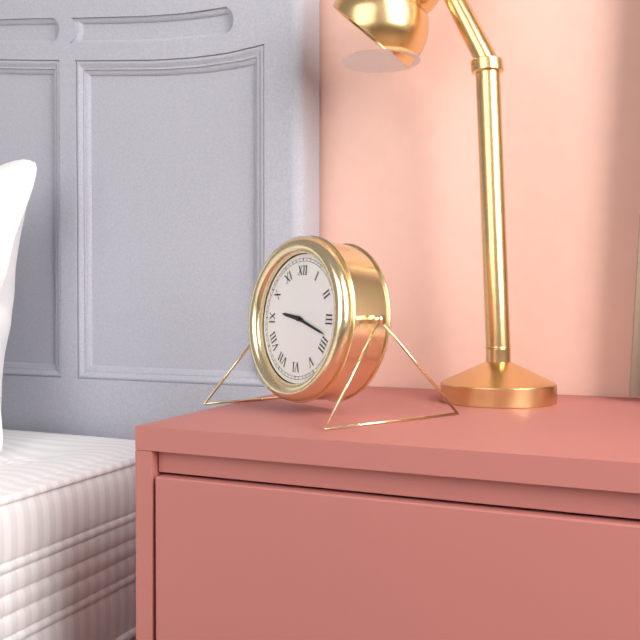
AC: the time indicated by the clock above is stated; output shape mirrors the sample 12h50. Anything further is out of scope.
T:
9h18
